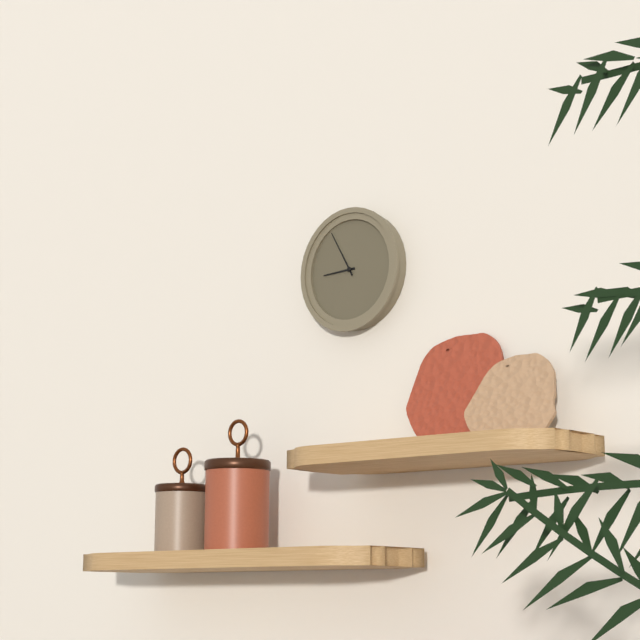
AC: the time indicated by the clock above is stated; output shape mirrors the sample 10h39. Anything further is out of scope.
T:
8h55
